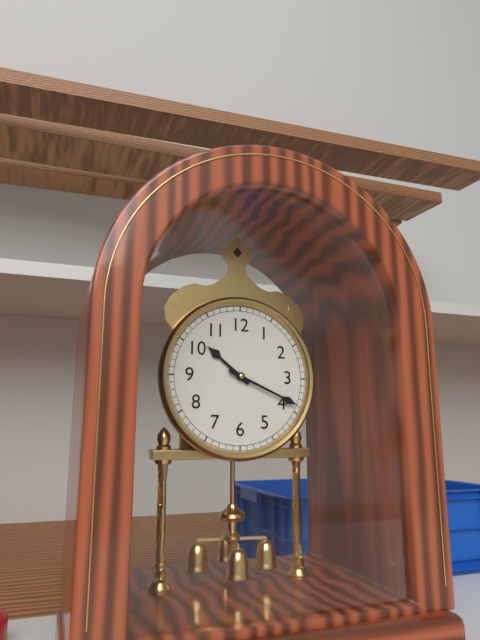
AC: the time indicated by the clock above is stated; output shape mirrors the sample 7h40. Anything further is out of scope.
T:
10h19
